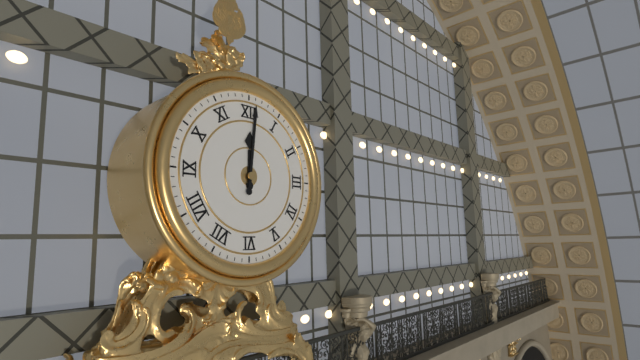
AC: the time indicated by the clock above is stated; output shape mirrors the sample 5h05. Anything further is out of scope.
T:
12h01
